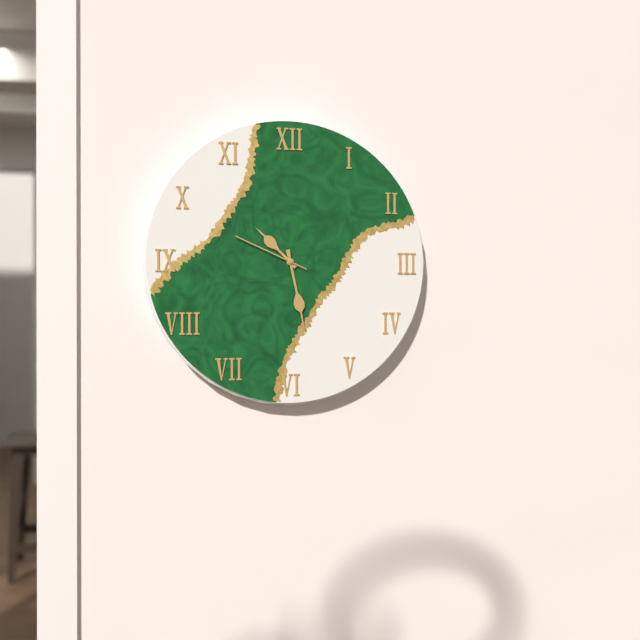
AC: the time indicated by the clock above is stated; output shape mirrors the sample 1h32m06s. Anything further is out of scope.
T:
10h28m49s
